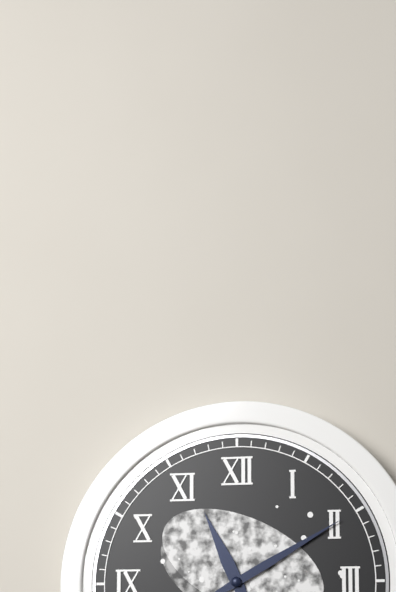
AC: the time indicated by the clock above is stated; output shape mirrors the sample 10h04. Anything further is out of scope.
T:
11h10
